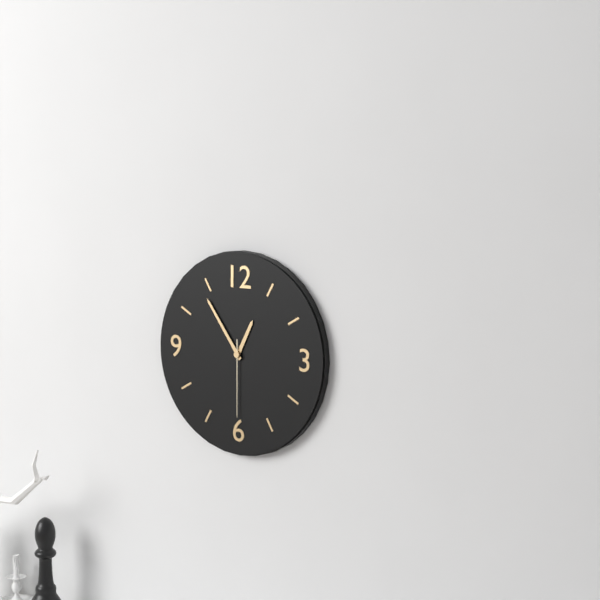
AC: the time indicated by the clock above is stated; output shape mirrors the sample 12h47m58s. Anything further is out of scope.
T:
12h54m30s
